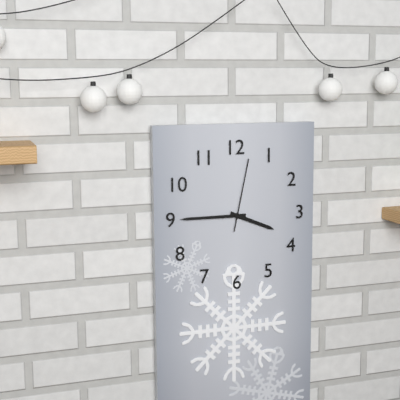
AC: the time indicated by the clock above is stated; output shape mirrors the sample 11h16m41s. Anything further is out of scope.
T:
3h45m02s
